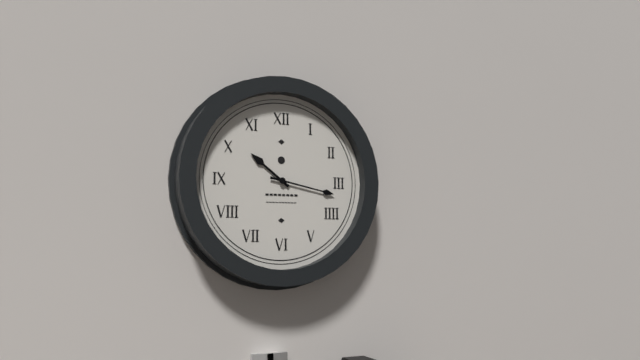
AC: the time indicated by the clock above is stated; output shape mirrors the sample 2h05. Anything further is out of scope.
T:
10h17
